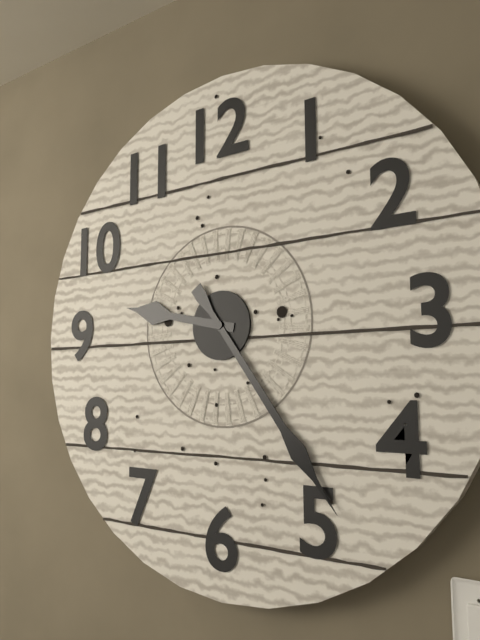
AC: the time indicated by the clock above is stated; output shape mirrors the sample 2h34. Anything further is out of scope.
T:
9h24
